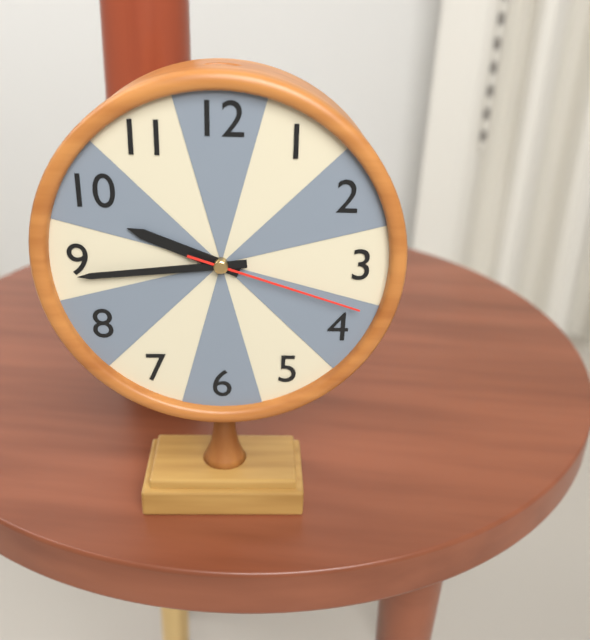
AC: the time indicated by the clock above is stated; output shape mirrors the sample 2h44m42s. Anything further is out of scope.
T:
9h44m18s
